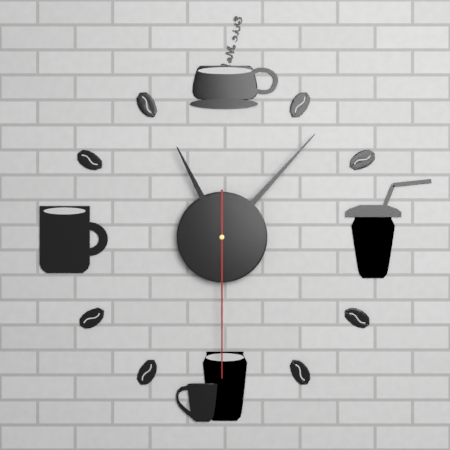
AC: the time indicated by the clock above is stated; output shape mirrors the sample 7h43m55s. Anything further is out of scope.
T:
11h07m30s
